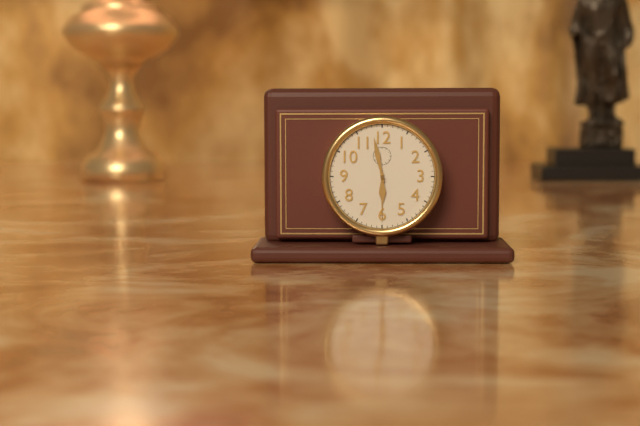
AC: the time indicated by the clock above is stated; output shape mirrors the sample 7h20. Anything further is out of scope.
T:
5h58
